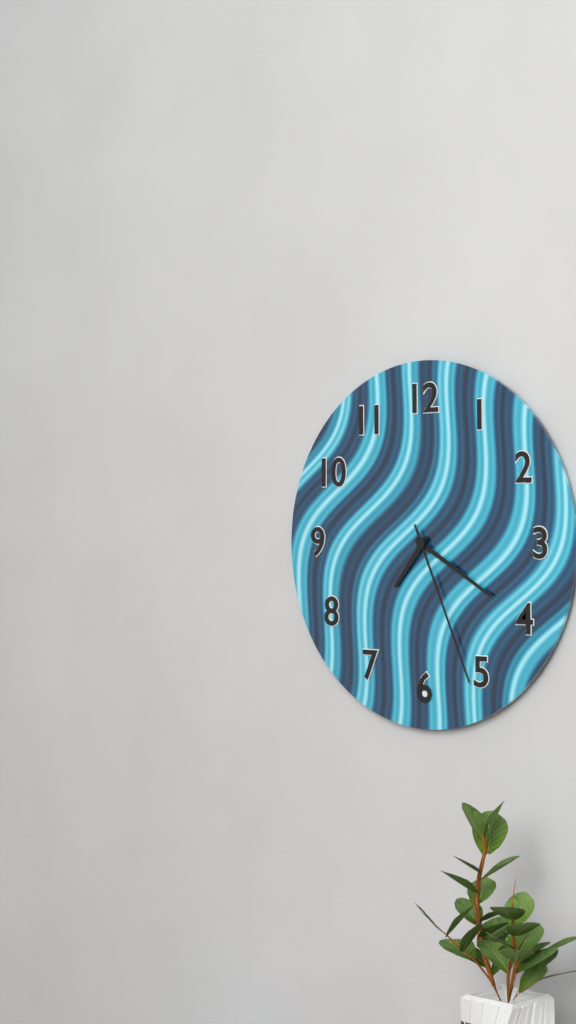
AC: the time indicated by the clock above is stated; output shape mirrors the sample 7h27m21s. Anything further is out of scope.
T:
7h20m26s
